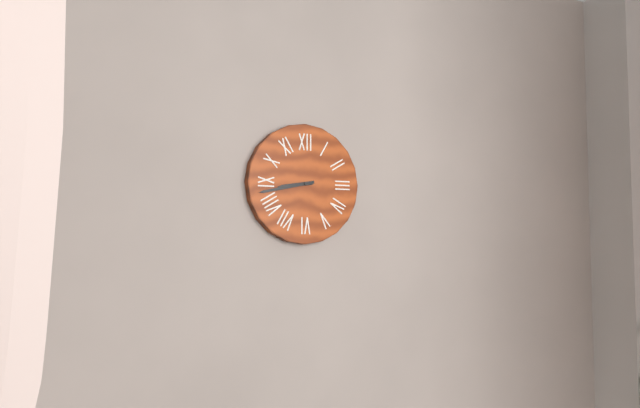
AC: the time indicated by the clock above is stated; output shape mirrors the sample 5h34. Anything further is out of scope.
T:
8h43
